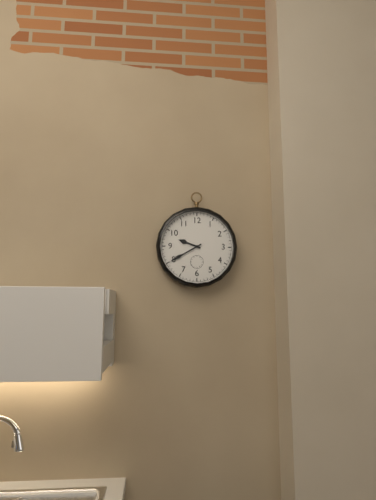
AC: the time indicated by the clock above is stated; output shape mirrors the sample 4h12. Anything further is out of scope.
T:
9h40
